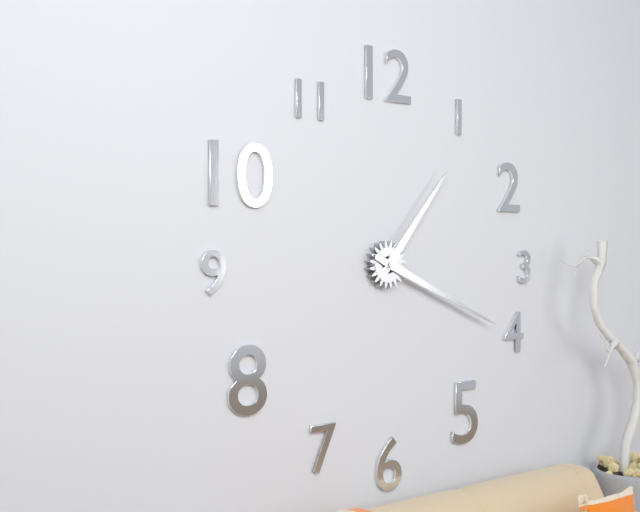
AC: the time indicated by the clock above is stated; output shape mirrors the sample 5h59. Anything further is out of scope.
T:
1h19
